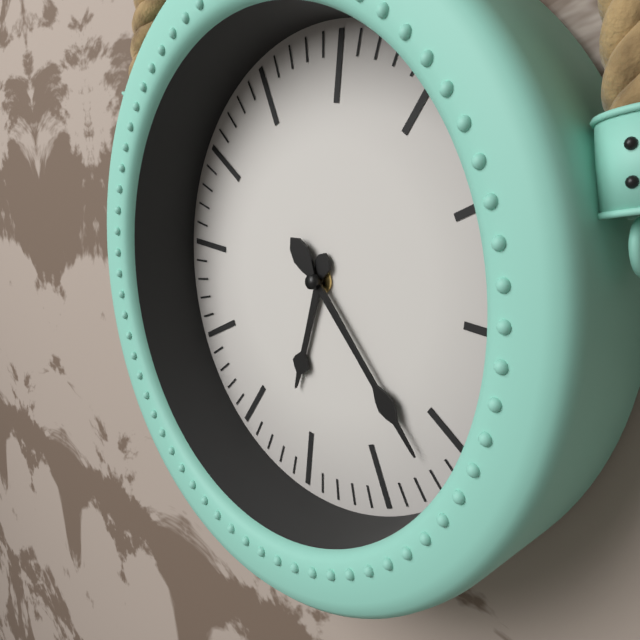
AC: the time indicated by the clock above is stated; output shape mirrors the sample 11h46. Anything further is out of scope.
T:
6h22
